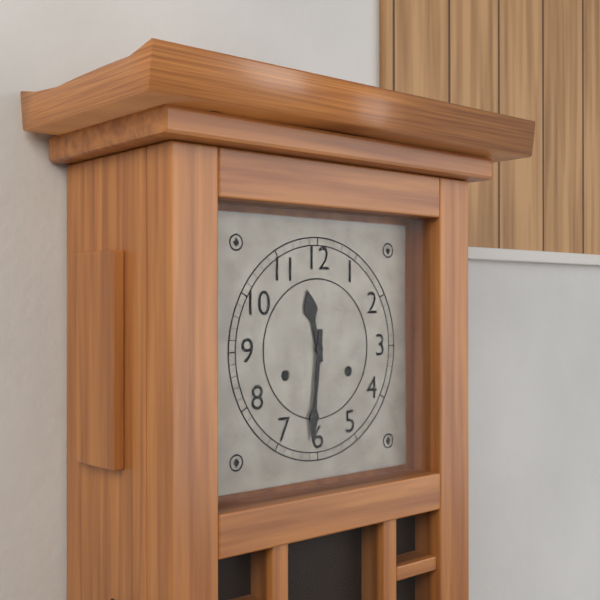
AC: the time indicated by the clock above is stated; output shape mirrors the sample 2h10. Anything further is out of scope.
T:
11h31
